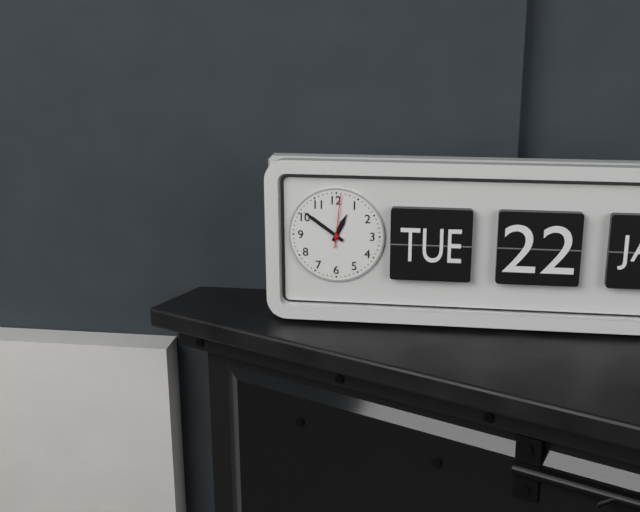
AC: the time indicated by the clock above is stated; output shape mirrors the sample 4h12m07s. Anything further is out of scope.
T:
12h51m01s
